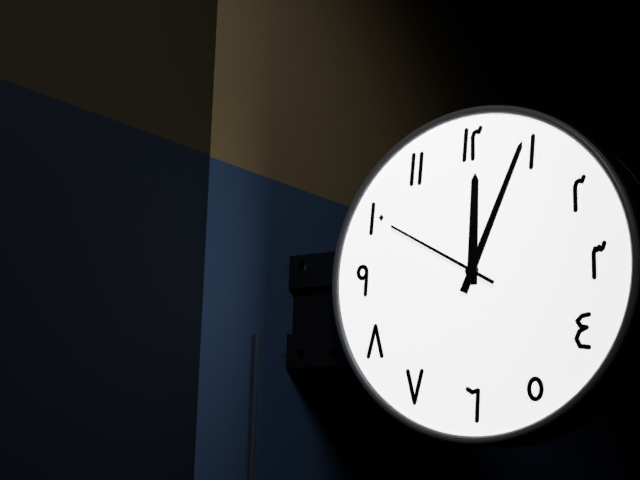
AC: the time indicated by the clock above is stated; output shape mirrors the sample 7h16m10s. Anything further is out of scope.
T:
12h04m50s
